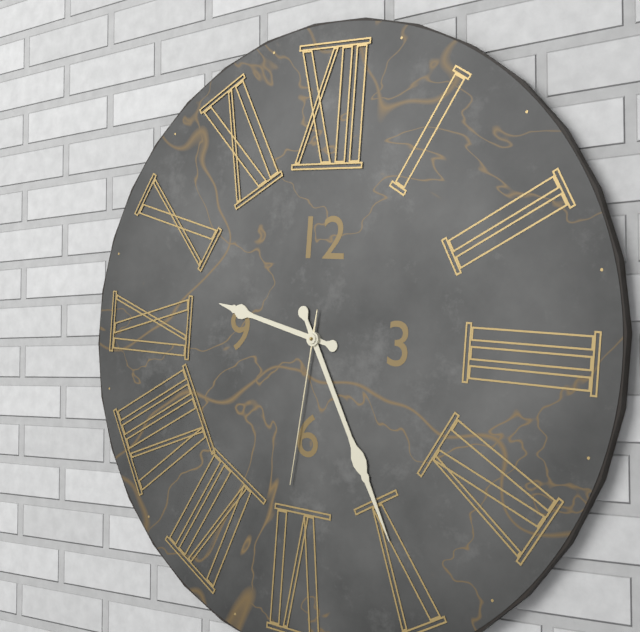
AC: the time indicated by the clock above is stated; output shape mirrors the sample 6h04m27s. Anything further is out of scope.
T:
9h25m31s
